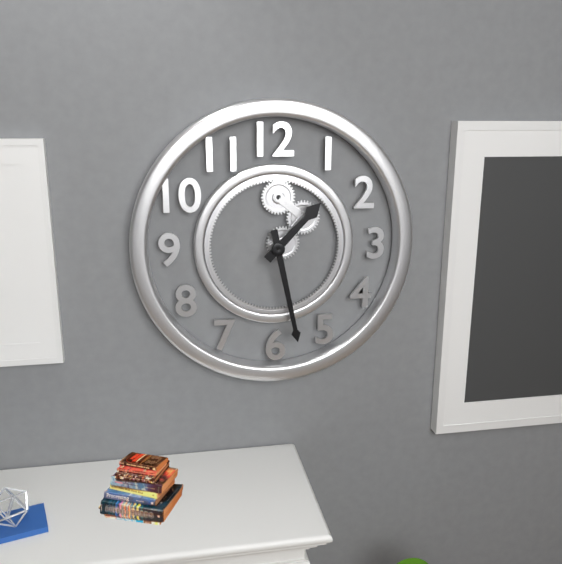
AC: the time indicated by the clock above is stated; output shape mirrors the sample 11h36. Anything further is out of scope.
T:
1h28
